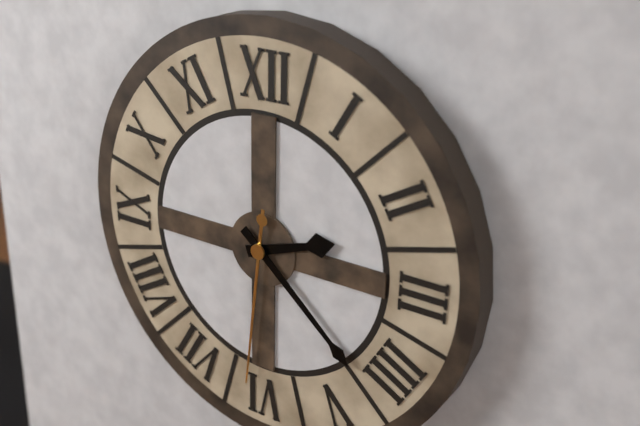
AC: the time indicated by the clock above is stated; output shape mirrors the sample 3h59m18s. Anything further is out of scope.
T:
2h22m31s
